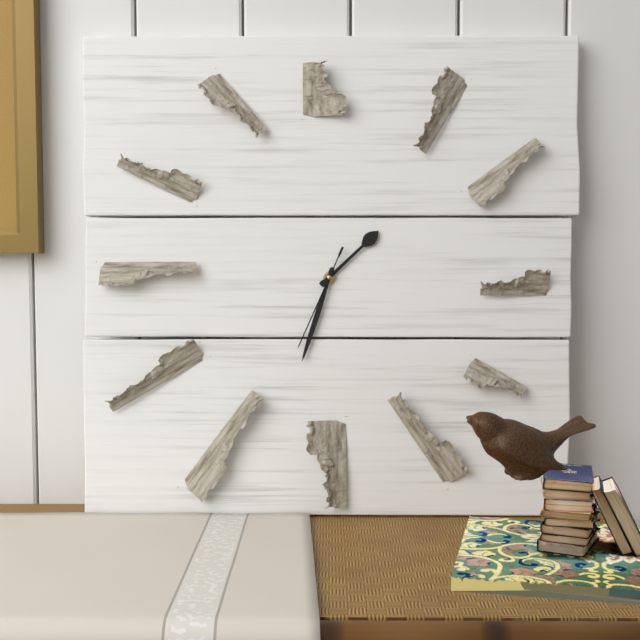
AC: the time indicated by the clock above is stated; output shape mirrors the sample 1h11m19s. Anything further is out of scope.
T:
1h33m34s
